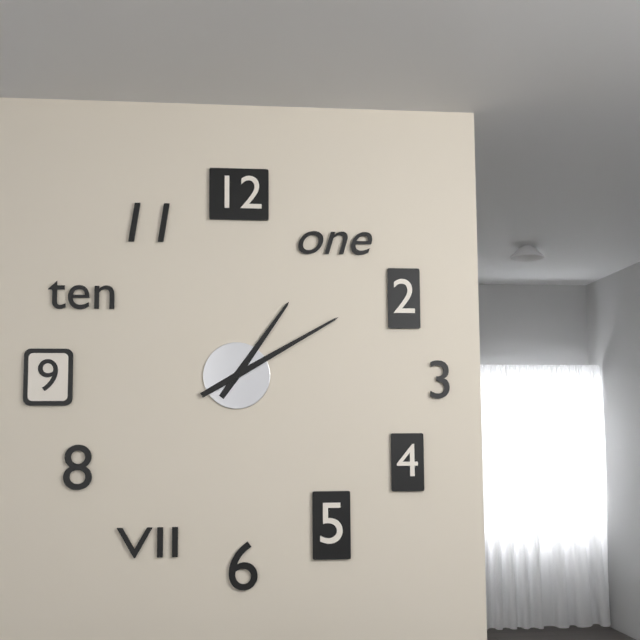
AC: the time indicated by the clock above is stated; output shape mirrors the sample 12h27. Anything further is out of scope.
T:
1h10
